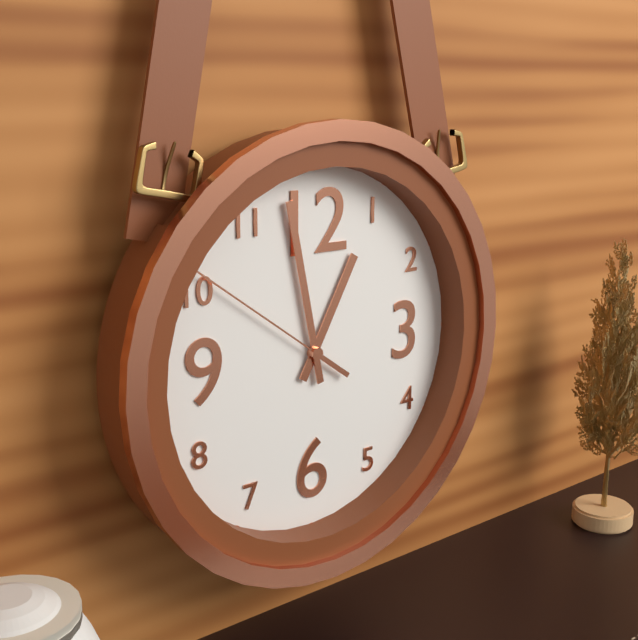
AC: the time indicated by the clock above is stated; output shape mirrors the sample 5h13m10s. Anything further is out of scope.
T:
12h58m51s
